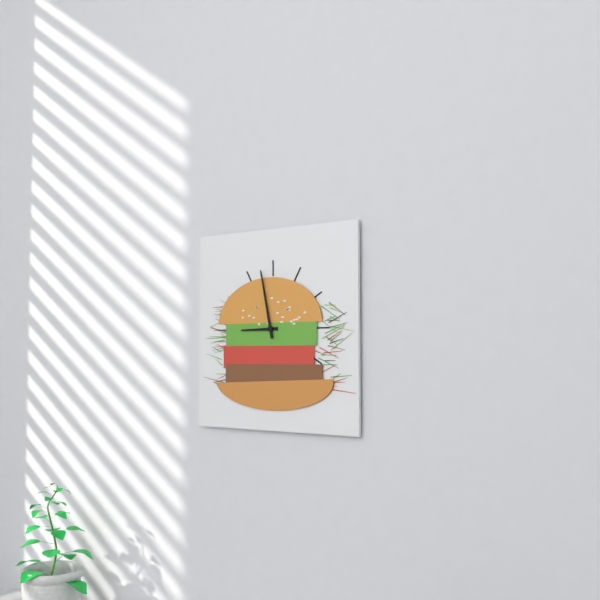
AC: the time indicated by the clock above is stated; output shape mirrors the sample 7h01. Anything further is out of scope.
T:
8h58
